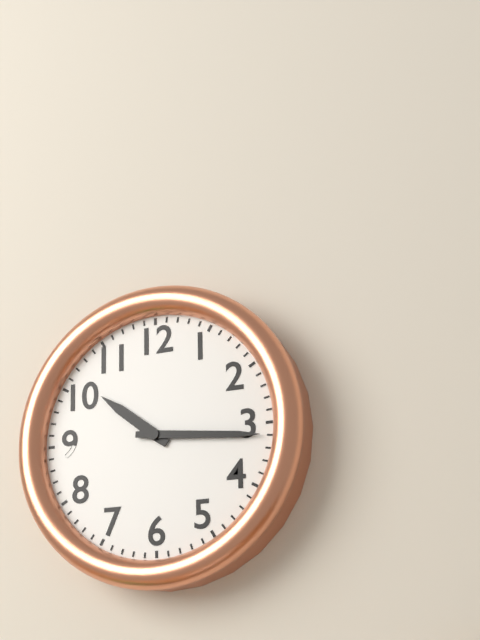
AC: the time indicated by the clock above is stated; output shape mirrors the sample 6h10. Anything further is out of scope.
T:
10h16
